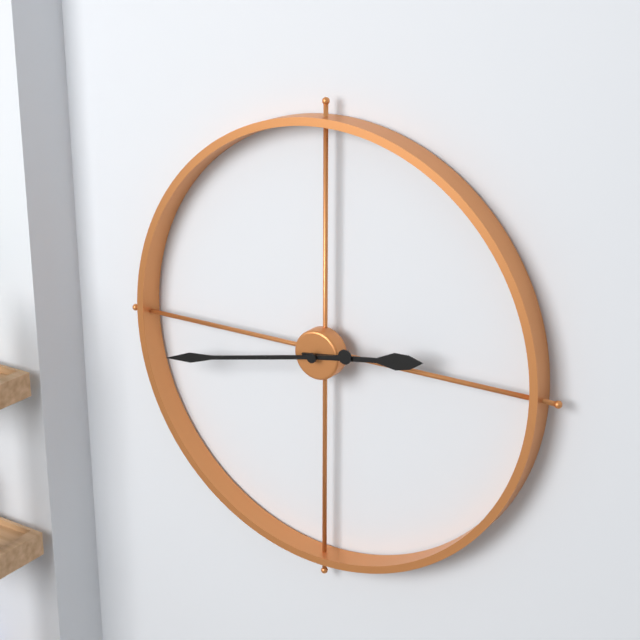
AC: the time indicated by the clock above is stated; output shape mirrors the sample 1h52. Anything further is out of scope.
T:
2h43
